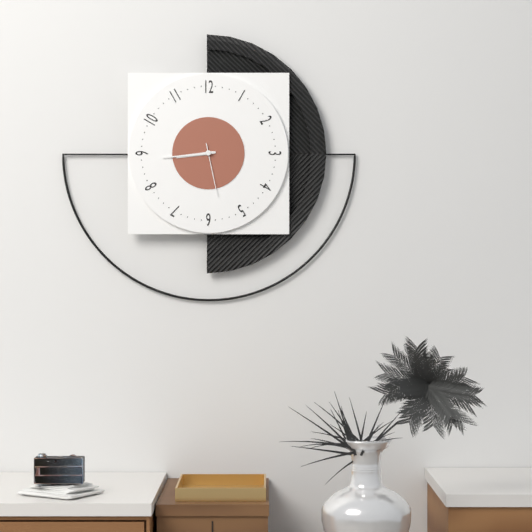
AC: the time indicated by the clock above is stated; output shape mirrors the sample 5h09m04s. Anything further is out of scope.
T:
8h44m28s
